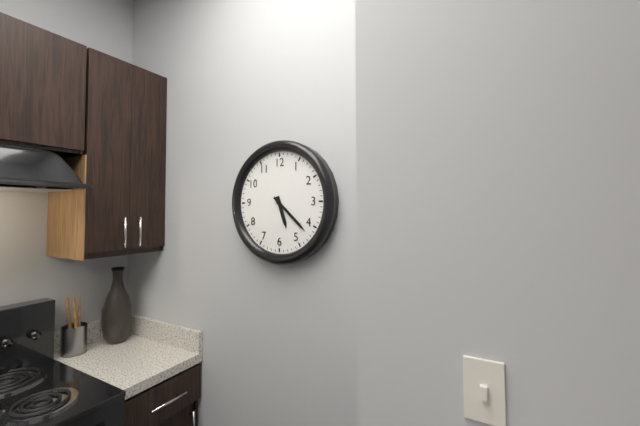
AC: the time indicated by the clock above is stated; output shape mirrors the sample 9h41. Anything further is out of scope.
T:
5h22
